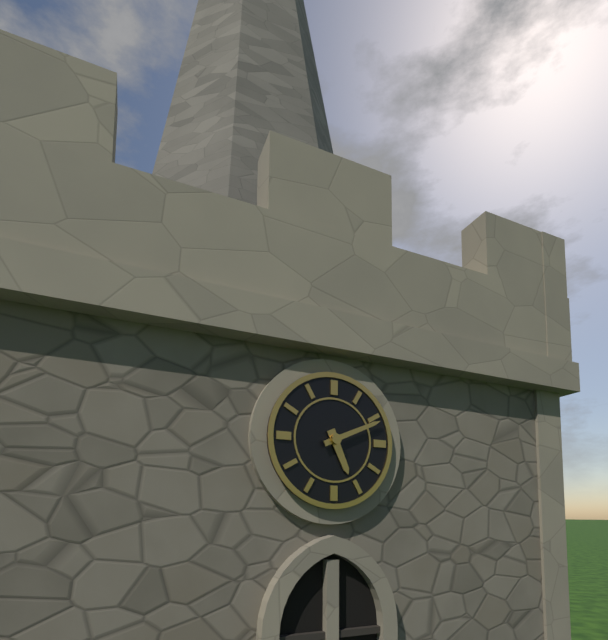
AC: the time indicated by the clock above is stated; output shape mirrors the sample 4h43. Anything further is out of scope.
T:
5h11
